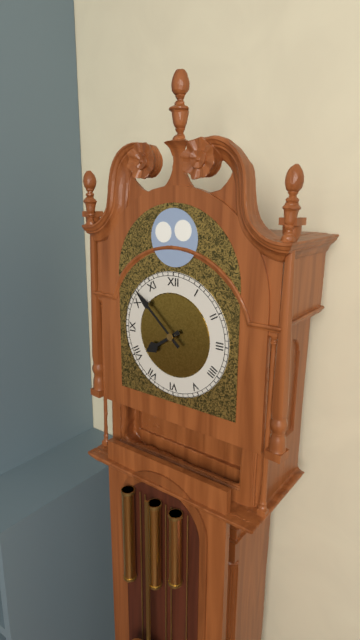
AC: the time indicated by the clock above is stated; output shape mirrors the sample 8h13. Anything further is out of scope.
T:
7h52
